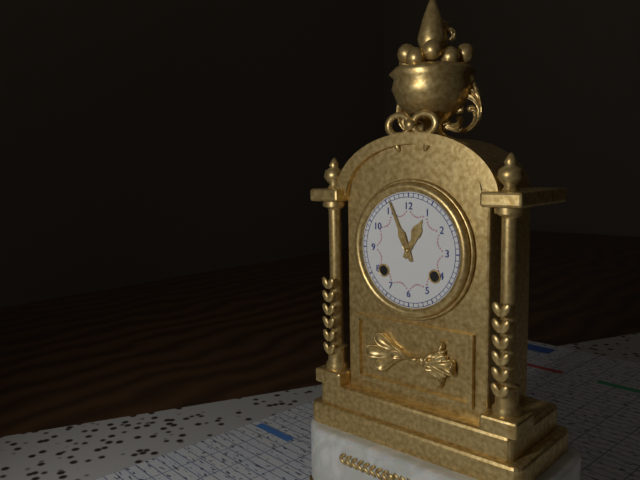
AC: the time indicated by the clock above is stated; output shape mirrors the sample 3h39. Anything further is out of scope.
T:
12h56
